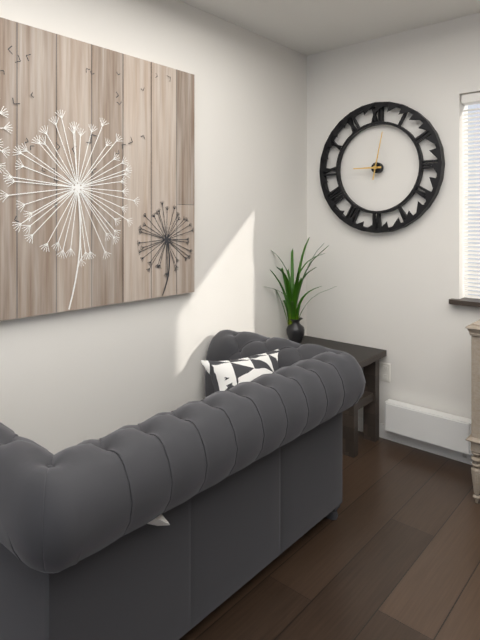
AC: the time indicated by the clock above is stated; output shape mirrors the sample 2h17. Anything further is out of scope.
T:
9h02
